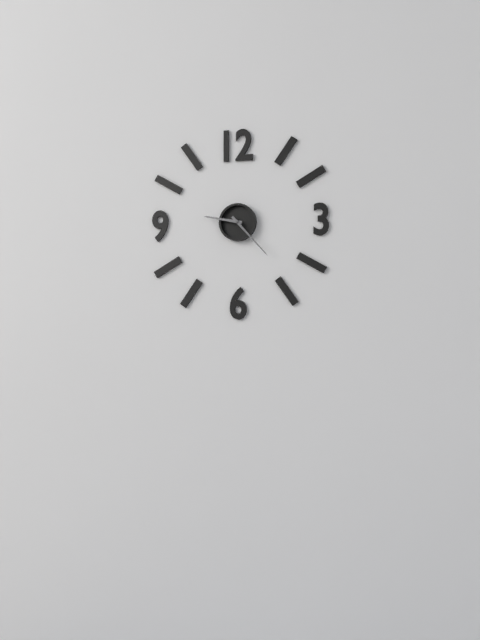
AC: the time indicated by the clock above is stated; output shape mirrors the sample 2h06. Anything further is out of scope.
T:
9h23
